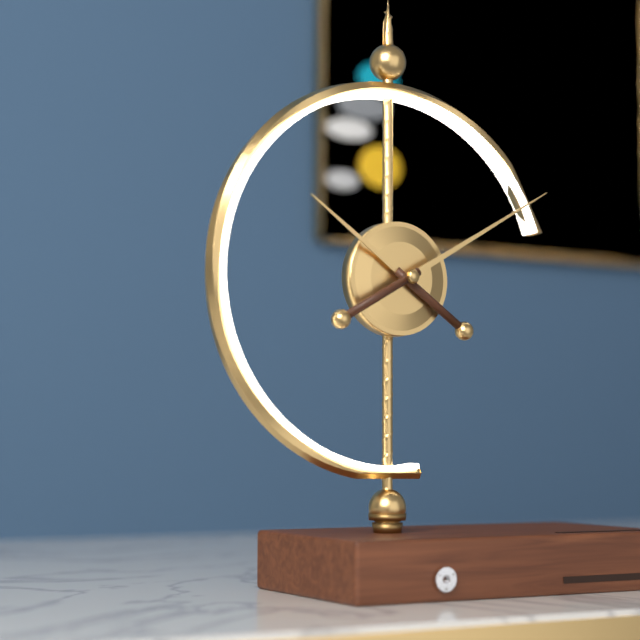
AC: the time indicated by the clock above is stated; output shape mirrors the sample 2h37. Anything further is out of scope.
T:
10h10
